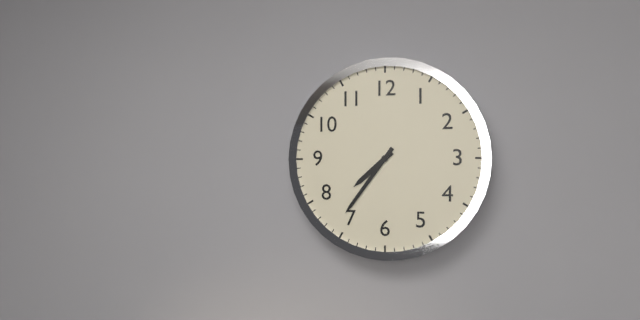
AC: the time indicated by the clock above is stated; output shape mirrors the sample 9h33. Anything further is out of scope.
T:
7h36
